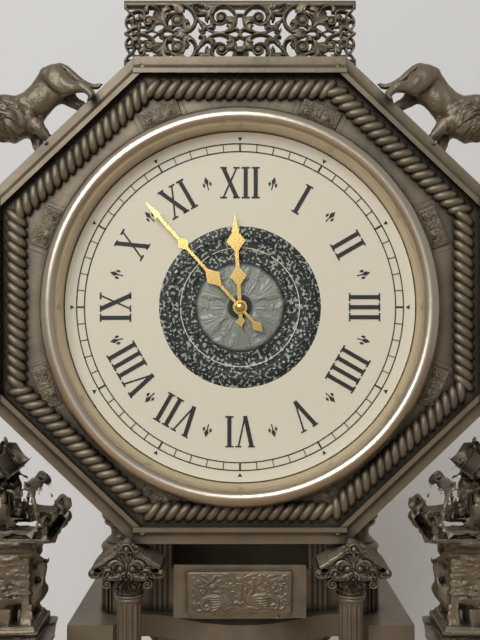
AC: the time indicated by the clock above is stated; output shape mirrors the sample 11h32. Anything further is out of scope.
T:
11h53
